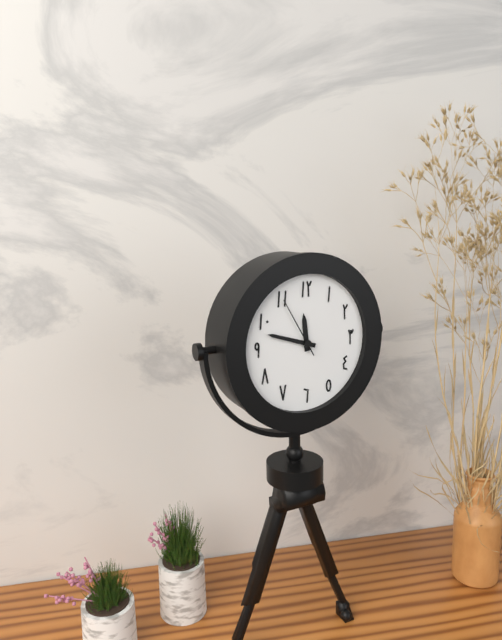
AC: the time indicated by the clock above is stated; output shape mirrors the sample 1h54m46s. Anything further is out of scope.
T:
11h48m55s
